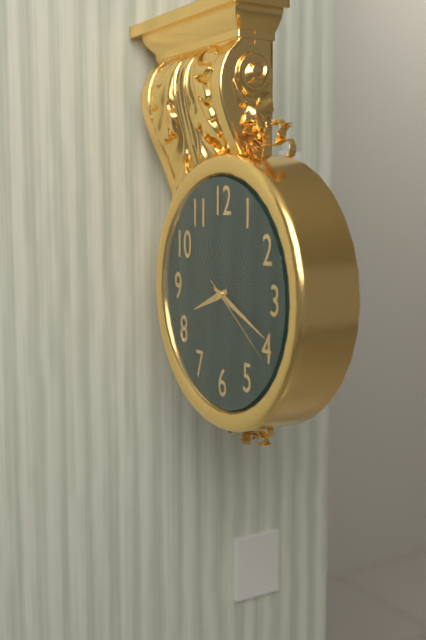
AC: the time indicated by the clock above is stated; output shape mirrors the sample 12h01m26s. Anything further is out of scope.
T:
8h19m21s
